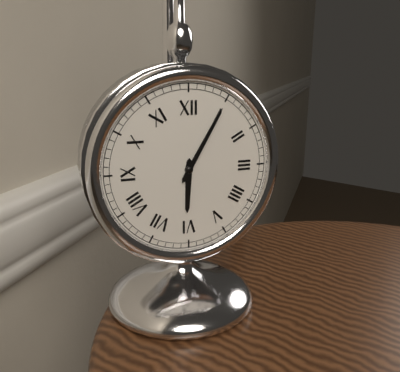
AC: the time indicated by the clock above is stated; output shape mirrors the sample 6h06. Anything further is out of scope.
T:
6h05
